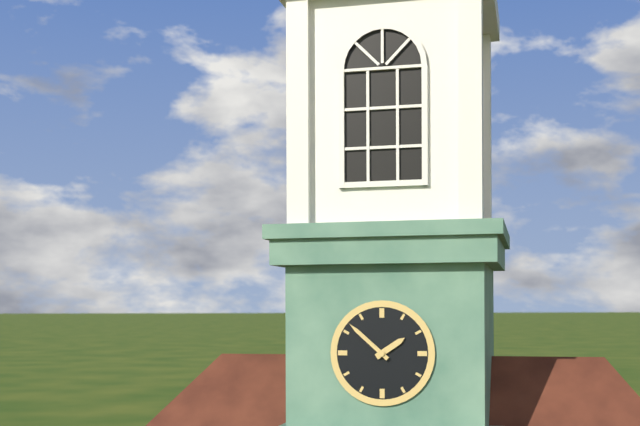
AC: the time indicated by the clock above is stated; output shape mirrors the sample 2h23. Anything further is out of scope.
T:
1h52
